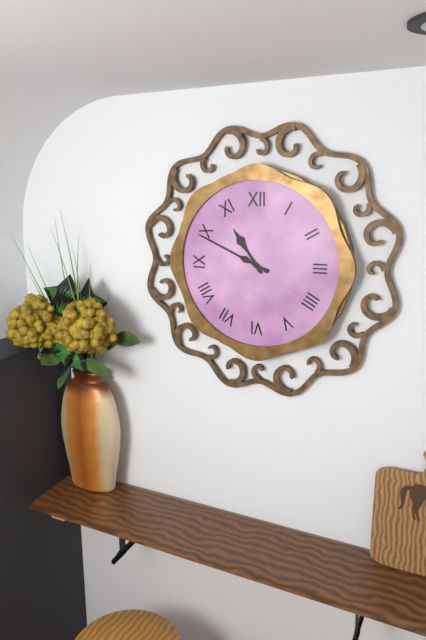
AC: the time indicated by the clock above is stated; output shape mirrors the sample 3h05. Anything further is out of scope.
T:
10h49
